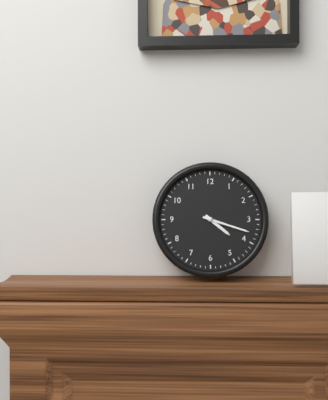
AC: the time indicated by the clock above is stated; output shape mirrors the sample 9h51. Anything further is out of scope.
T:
4h18
